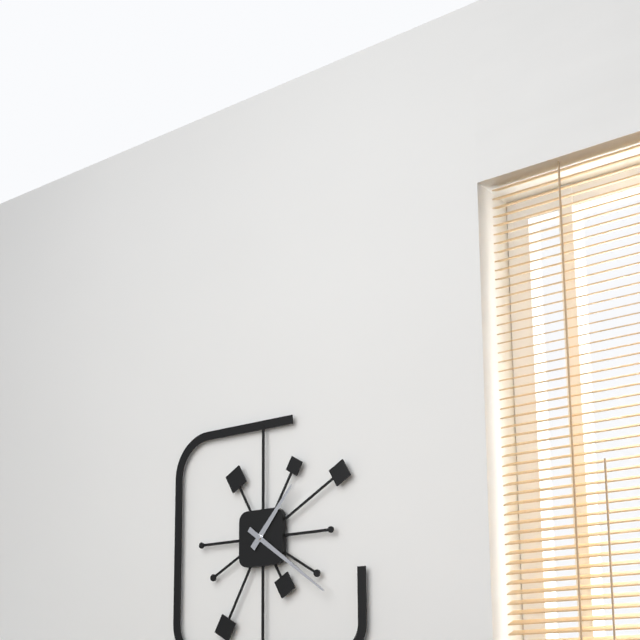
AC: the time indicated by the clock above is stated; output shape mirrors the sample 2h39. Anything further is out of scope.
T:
1h21
